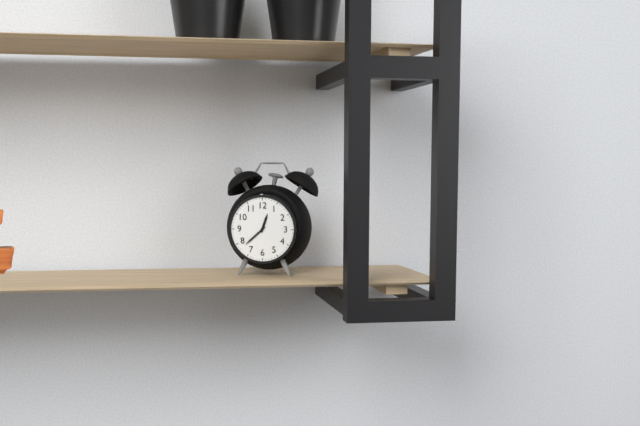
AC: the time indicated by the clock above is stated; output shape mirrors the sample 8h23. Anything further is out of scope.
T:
12h38
